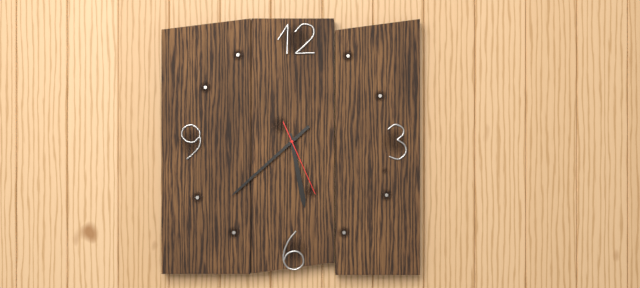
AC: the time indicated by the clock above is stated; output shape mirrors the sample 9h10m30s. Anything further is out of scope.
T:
5h38m26s
